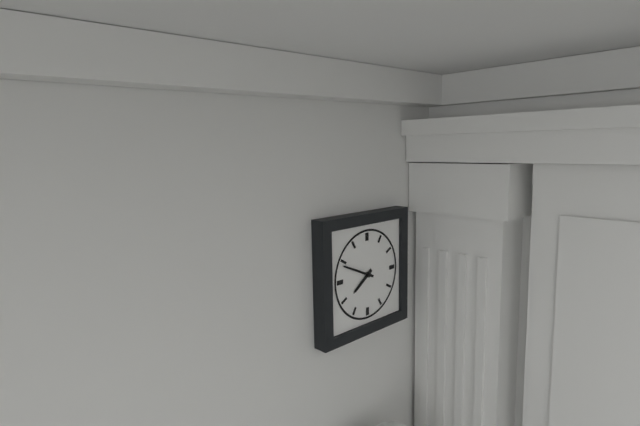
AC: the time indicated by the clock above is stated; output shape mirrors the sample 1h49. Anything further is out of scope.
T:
7h49
